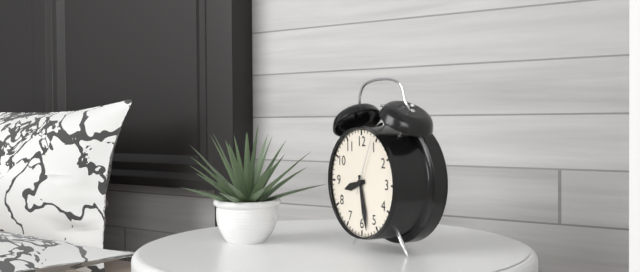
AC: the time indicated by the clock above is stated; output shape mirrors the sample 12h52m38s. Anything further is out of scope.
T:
8h28m04s
